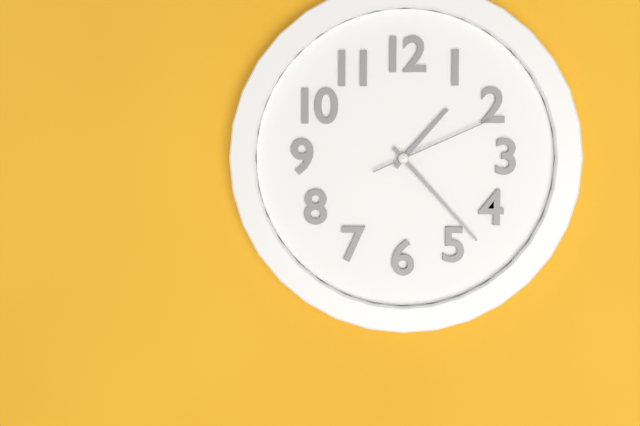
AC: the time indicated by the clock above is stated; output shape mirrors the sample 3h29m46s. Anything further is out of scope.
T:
1h23m11s
